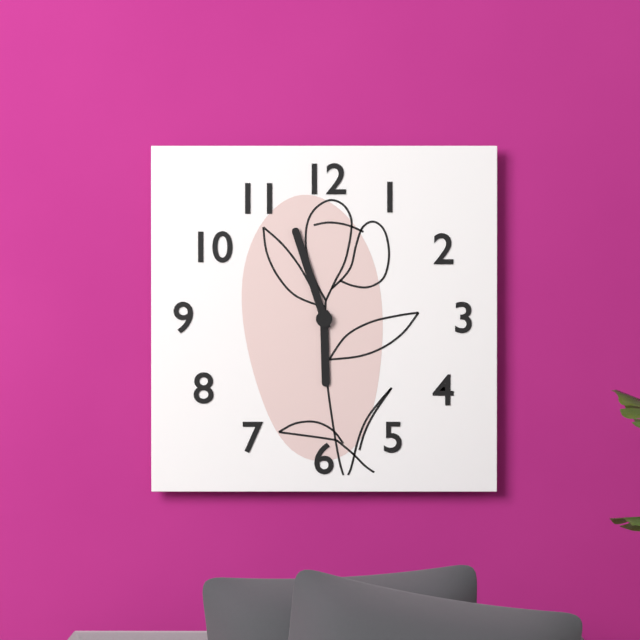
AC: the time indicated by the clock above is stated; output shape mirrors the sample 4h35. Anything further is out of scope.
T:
5h57
